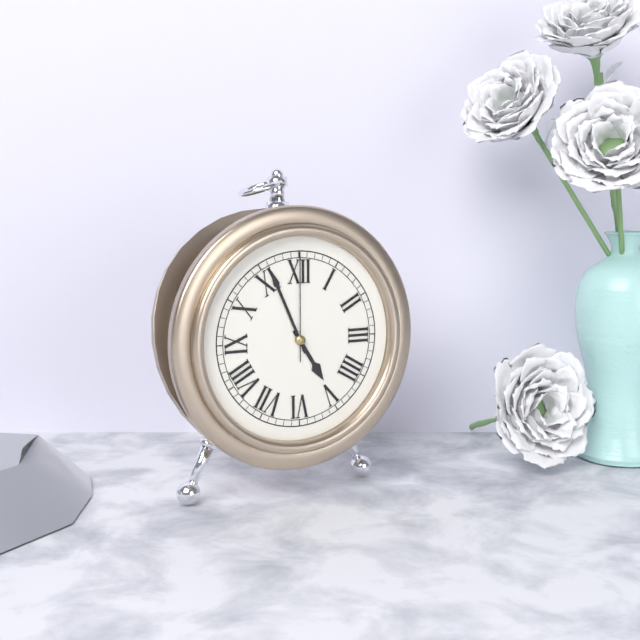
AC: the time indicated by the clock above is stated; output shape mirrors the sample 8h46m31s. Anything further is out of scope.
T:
4h56m00s
